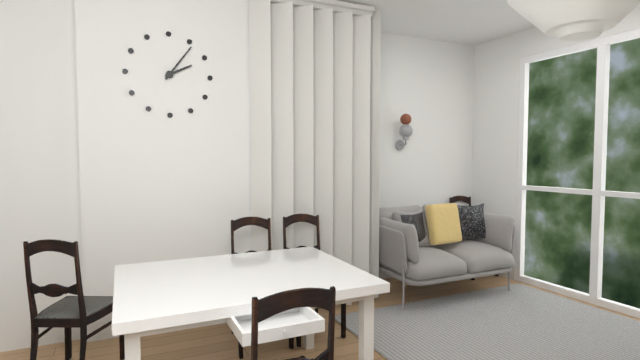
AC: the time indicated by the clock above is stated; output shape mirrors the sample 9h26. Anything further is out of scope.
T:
2h06
